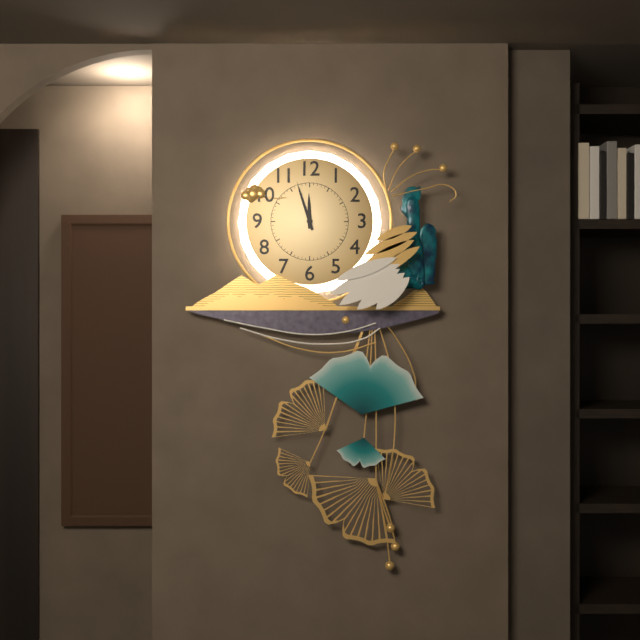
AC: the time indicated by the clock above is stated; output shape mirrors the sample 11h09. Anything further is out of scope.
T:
11h57
